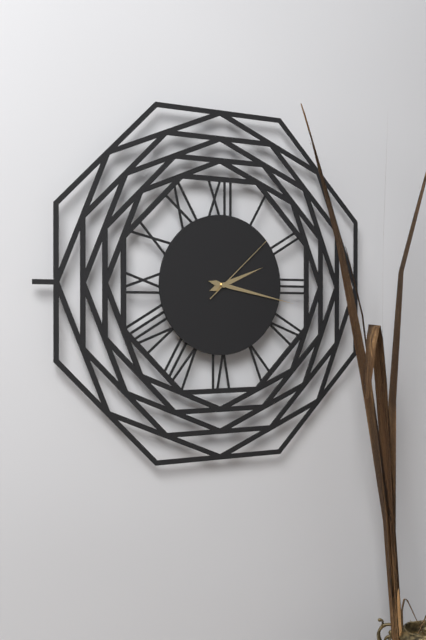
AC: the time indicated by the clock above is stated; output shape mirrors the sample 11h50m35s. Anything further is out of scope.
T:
2h17m08s
